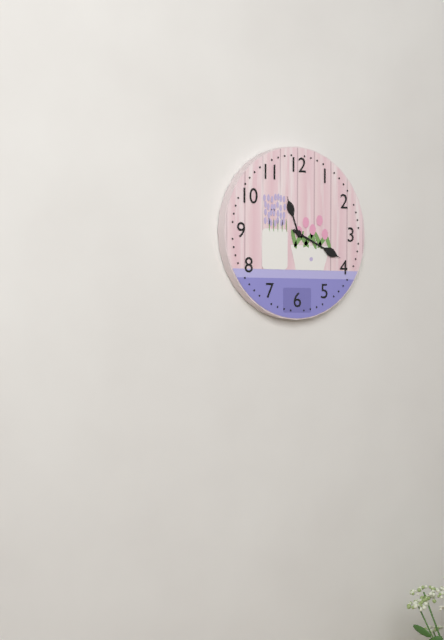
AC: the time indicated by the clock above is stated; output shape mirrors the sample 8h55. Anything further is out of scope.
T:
11h19
